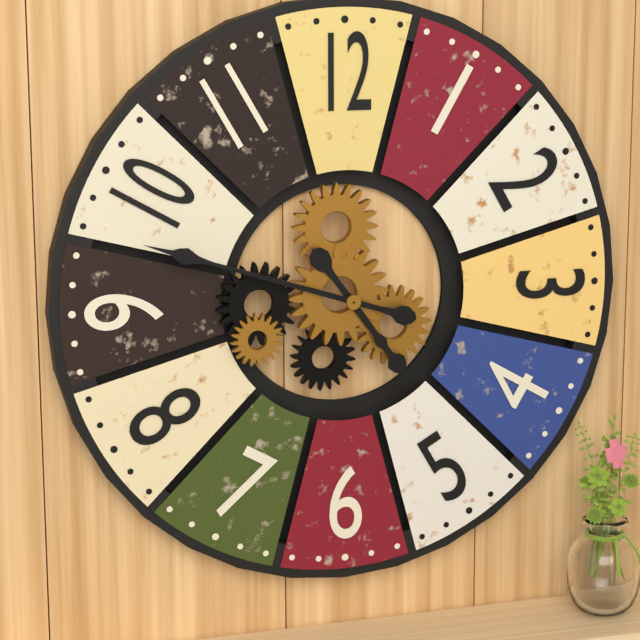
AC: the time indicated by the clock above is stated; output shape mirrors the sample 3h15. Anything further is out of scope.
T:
4h48
